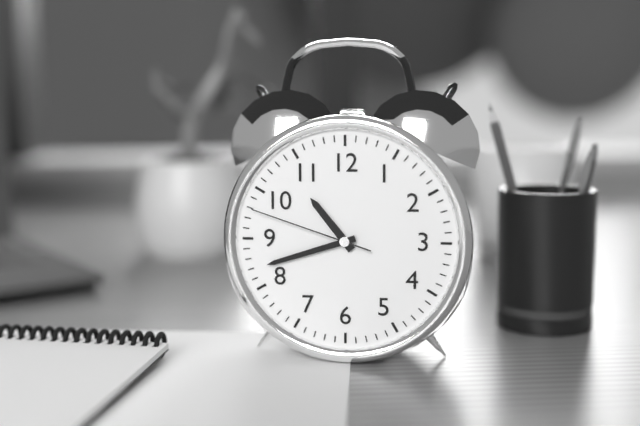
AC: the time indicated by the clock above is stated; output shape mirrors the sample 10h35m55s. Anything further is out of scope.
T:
10h42m48s
